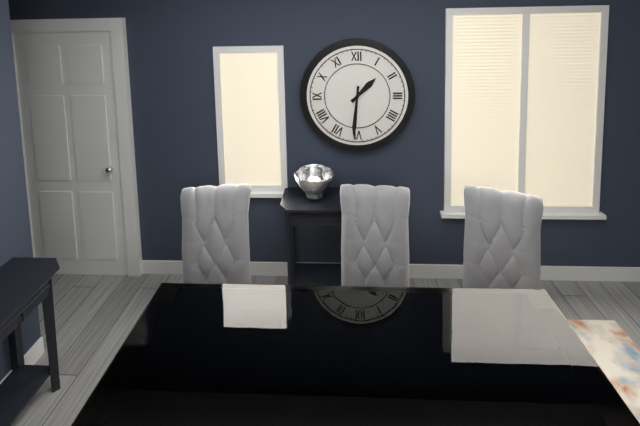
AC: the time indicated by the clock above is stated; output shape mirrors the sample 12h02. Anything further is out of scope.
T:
1h31
